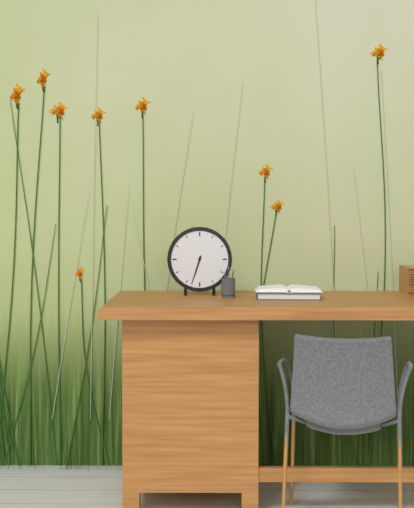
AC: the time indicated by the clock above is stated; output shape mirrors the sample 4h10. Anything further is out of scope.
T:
6h33
